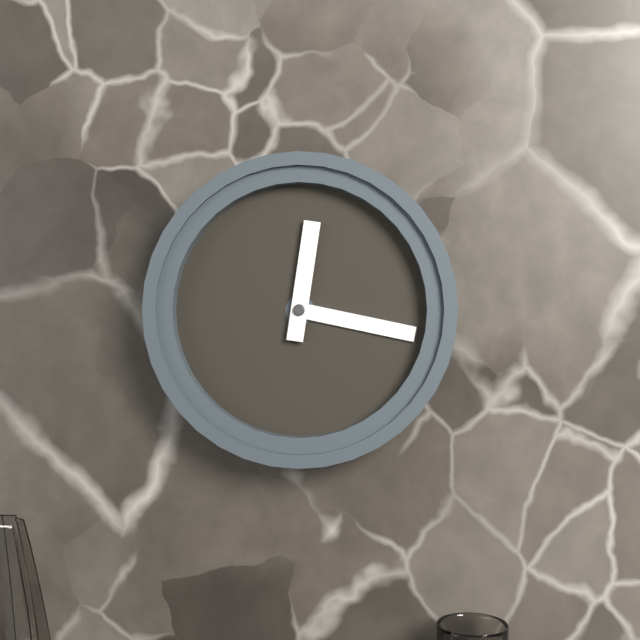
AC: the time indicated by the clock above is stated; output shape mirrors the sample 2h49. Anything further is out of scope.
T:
12h17
